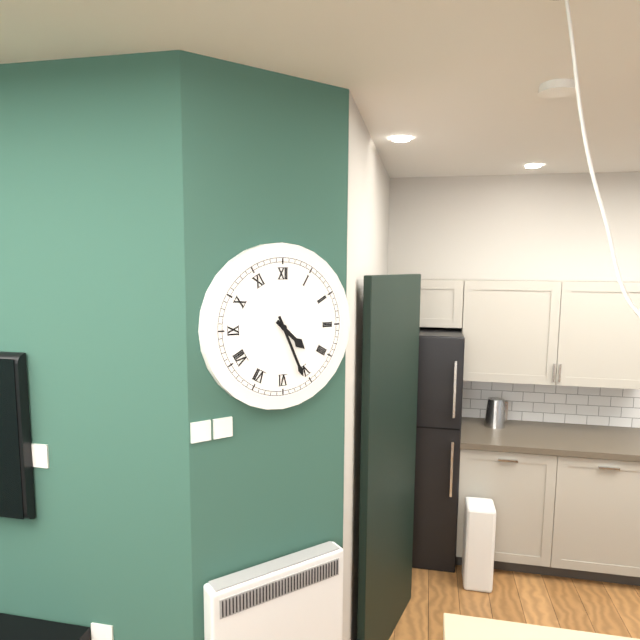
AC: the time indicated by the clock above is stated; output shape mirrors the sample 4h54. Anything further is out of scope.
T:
4h26
